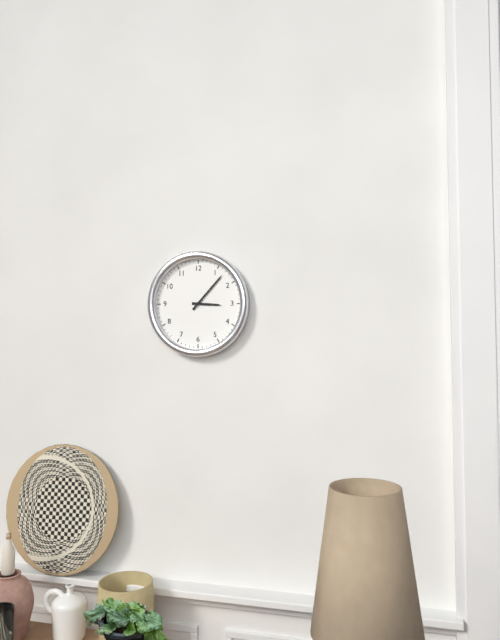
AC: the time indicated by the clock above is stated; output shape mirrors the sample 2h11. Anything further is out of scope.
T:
3h07
